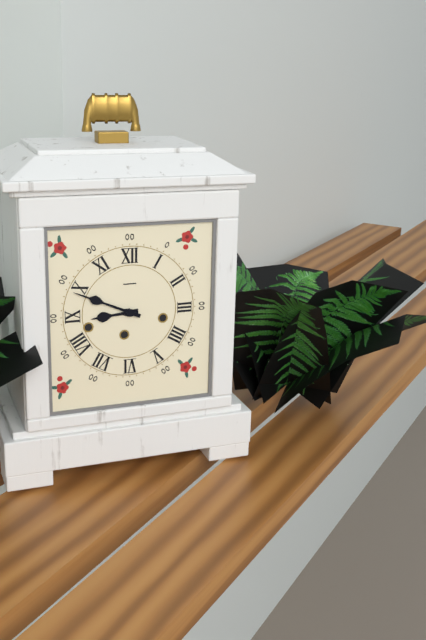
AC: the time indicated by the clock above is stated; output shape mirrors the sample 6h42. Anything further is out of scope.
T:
8h49
